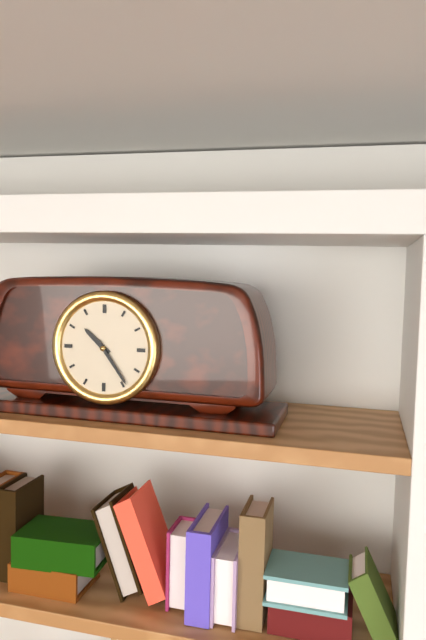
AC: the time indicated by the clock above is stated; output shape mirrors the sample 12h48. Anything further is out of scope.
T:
10h24
